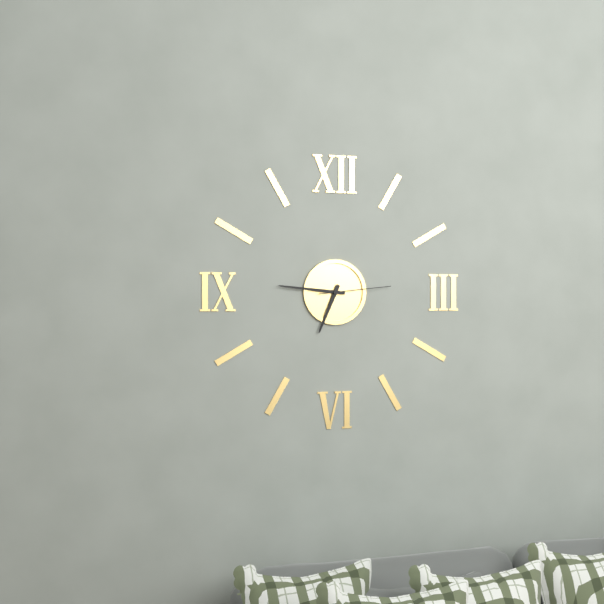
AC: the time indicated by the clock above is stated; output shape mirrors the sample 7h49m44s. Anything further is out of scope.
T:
6h46m14s
